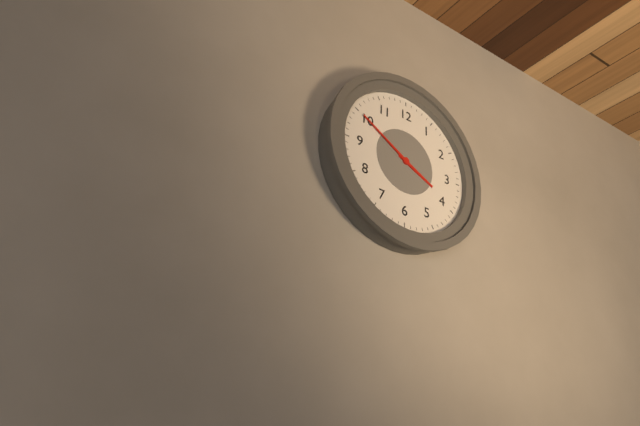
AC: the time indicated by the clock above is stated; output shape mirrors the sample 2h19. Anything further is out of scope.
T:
3h50
